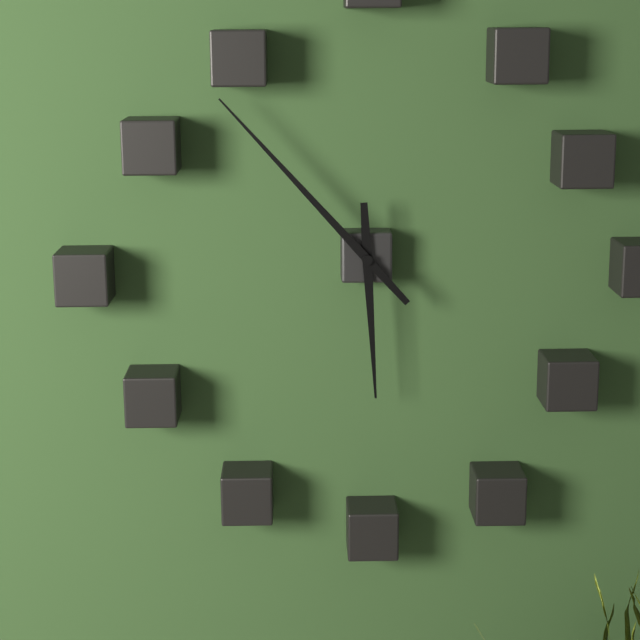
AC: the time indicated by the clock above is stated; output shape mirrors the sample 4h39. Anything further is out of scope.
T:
5h53
